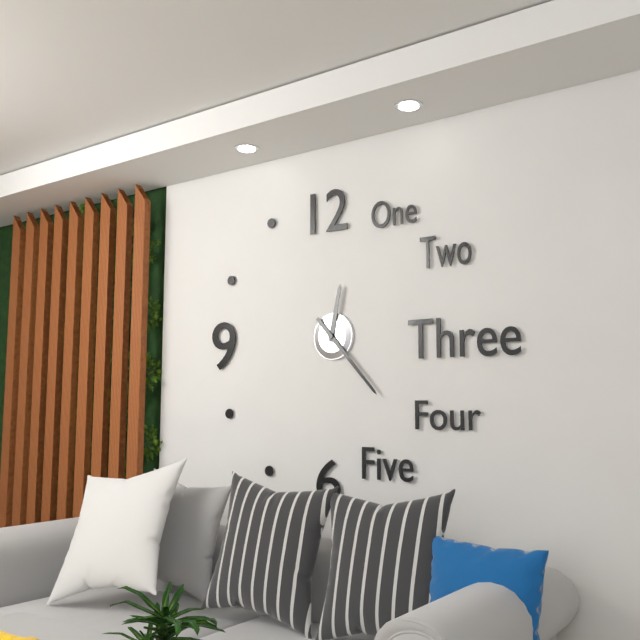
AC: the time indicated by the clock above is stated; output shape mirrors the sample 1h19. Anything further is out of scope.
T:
12h23
